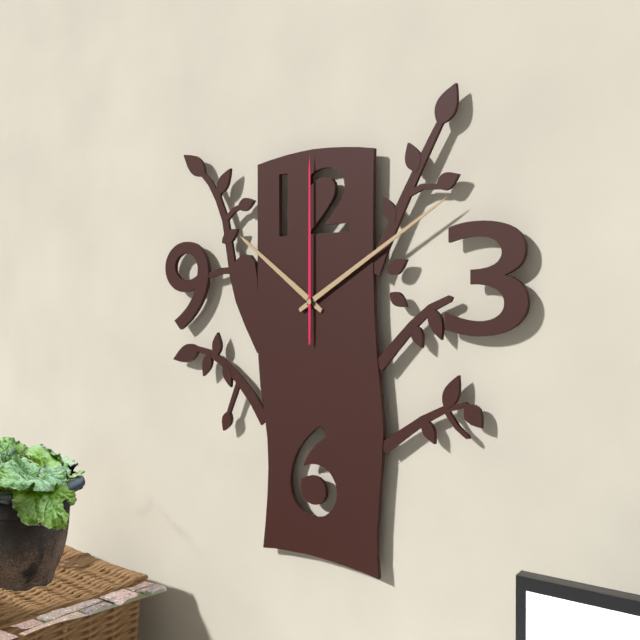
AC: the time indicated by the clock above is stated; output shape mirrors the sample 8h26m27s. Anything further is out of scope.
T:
10h10m00s
